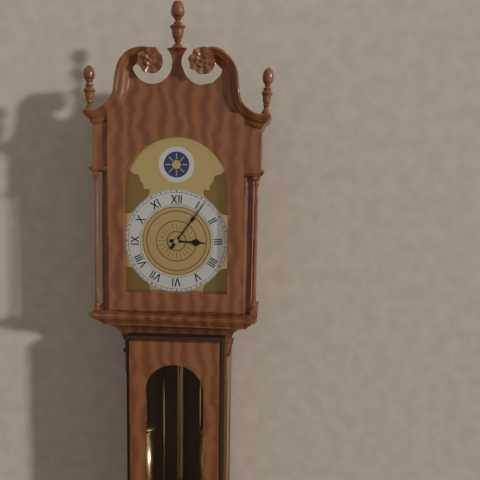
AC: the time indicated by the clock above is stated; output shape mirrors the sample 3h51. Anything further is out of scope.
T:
3h06
